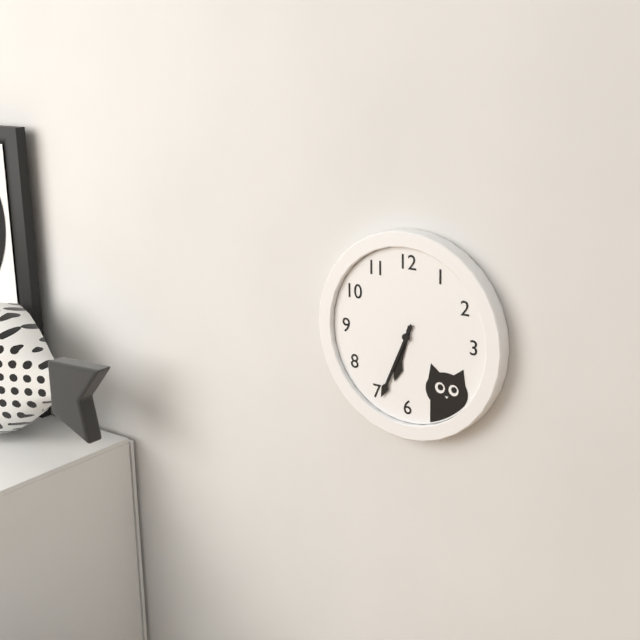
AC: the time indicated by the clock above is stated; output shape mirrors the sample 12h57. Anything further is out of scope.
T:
6h34
